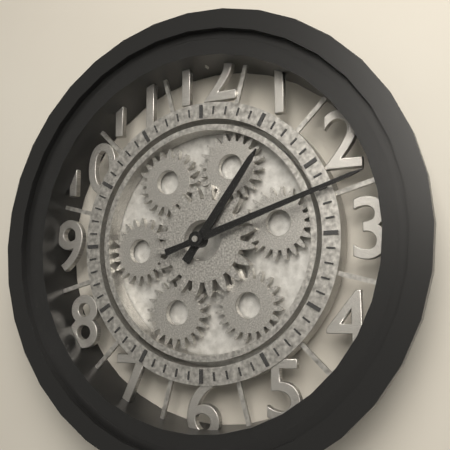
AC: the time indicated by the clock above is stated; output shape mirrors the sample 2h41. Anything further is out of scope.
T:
1h12
